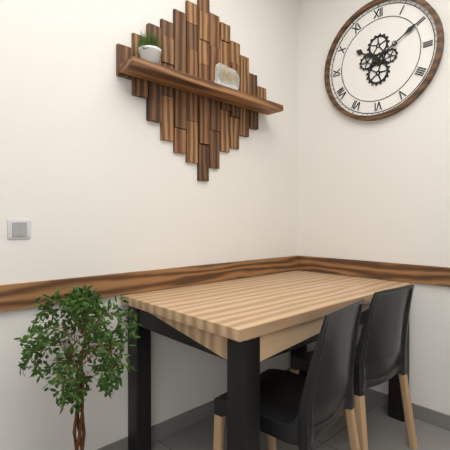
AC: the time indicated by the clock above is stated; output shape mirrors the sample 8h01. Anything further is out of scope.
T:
10h10
